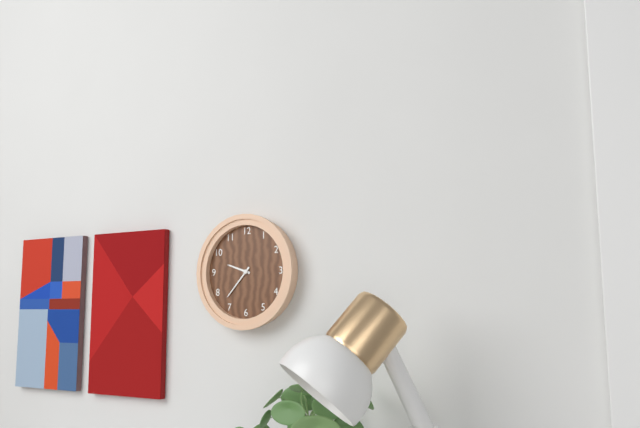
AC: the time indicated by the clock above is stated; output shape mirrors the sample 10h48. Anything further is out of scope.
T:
9h37
